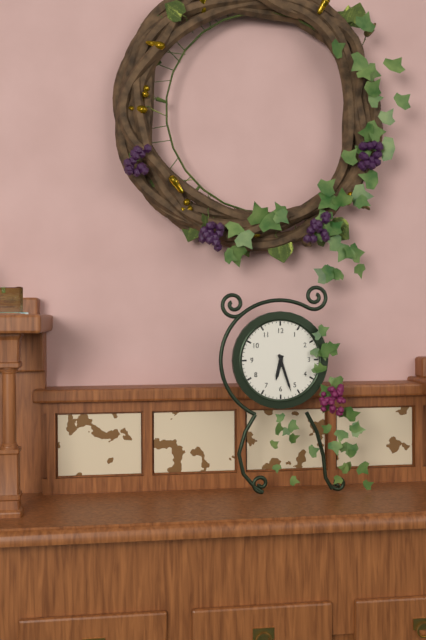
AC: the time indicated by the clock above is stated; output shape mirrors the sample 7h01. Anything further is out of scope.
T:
6h27
